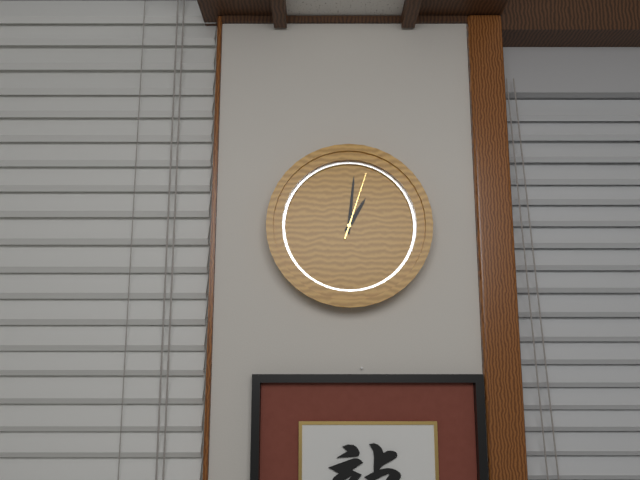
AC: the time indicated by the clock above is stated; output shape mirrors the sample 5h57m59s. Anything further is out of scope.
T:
1h01m03s
